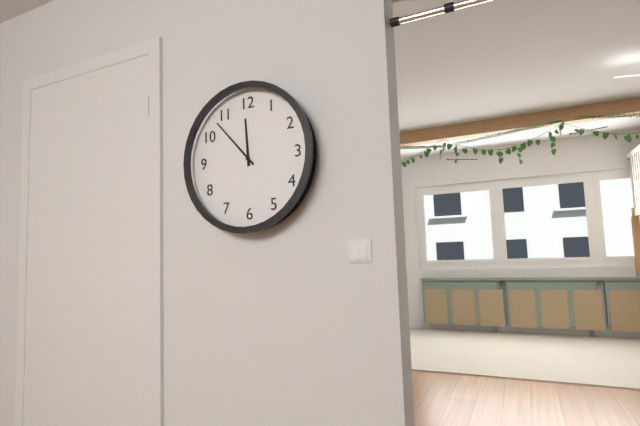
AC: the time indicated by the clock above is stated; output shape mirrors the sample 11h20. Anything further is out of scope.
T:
11h53
